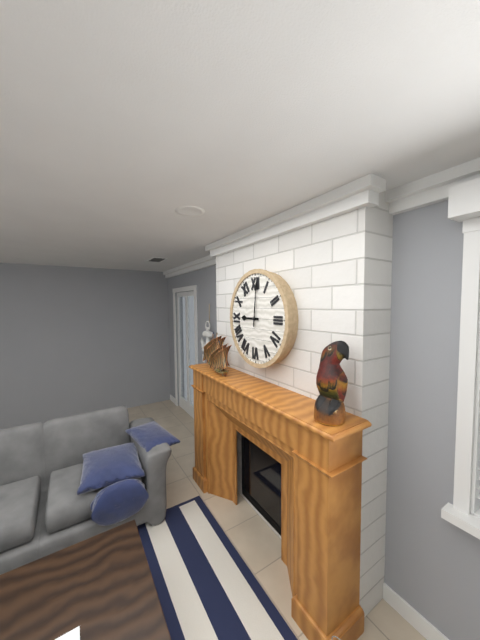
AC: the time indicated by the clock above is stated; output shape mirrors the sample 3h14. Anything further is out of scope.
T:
9h01
